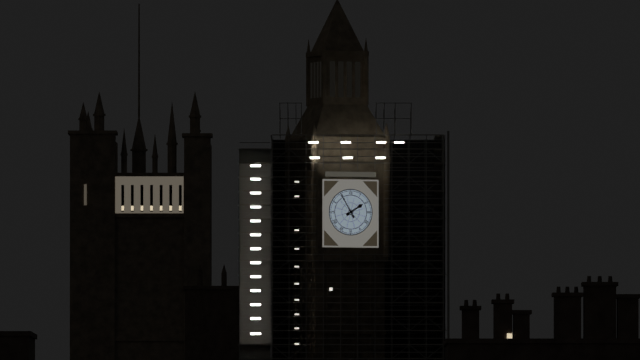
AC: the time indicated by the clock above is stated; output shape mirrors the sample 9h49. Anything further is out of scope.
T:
1h55
